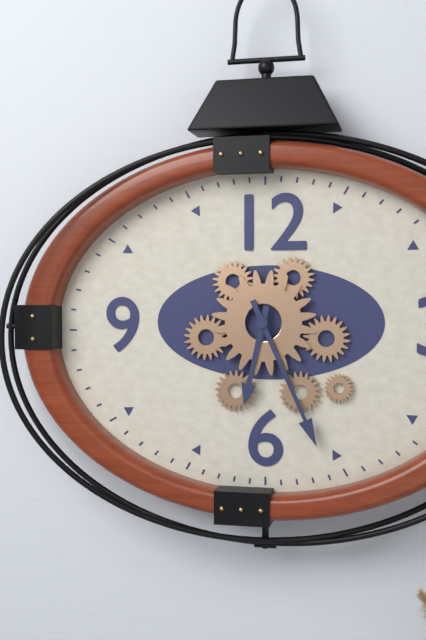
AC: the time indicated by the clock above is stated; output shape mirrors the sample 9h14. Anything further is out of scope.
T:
6h26
